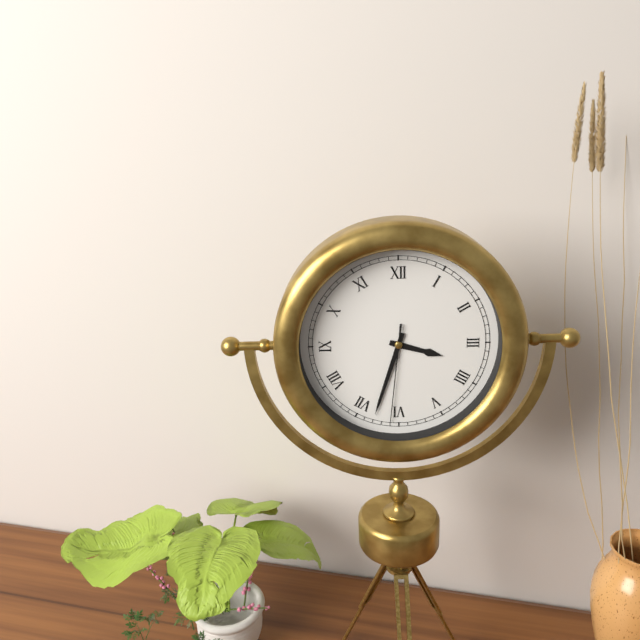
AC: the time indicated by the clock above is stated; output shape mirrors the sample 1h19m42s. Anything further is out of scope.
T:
3h33m31s
